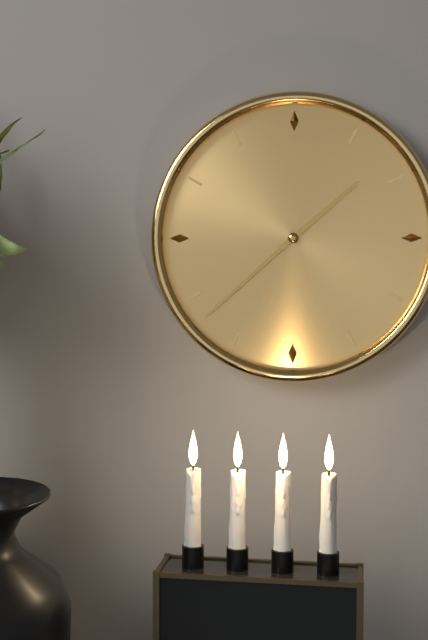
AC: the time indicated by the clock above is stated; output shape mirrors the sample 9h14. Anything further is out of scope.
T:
1h38
